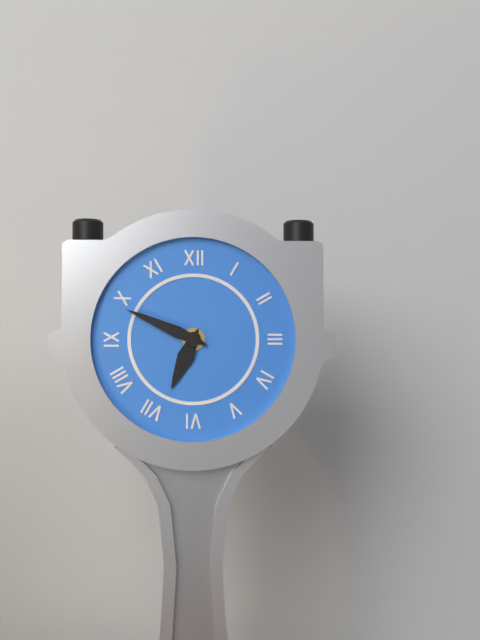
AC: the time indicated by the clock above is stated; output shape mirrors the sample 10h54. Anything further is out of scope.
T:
6h49
